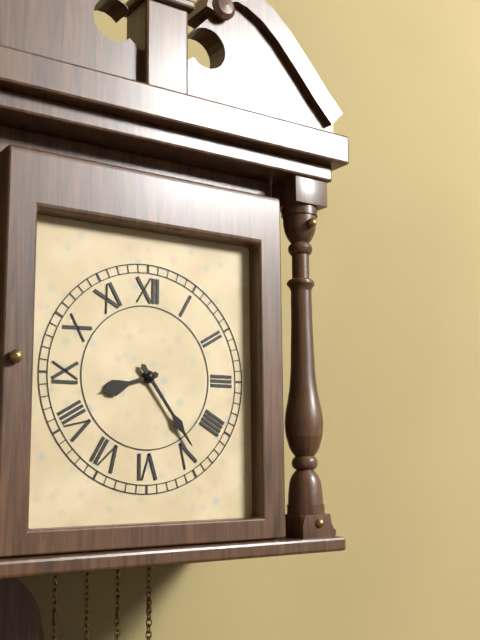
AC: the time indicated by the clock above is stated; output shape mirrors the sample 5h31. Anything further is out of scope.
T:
8h24
